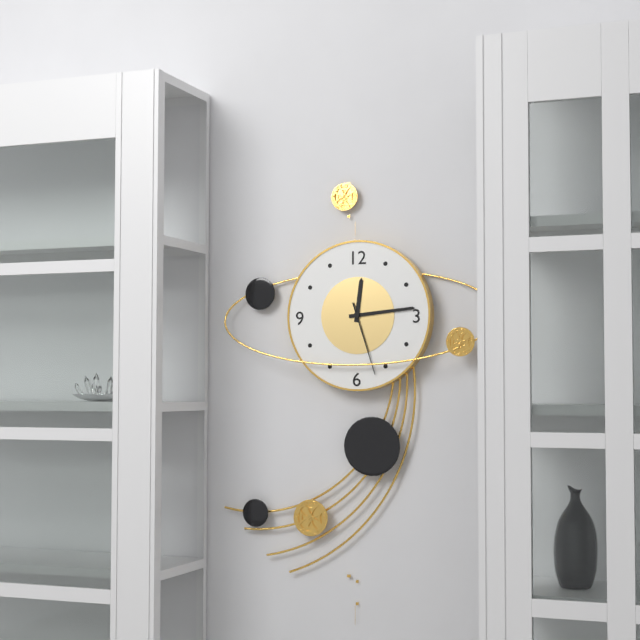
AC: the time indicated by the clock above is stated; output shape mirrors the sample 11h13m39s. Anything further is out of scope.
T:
12h14m27s
